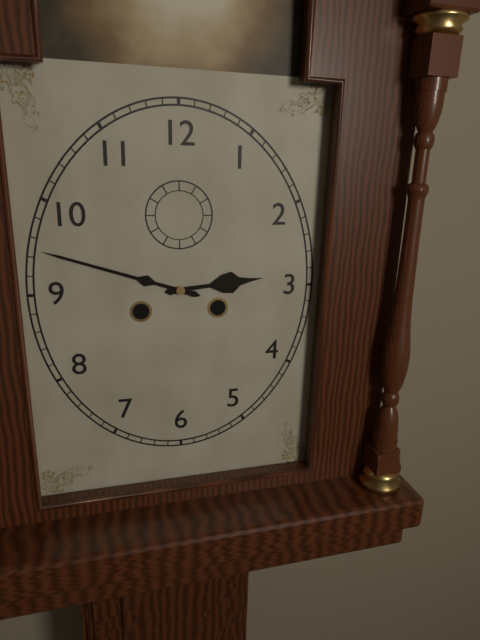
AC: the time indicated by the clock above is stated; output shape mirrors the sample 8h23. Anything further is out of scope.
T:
2h48
